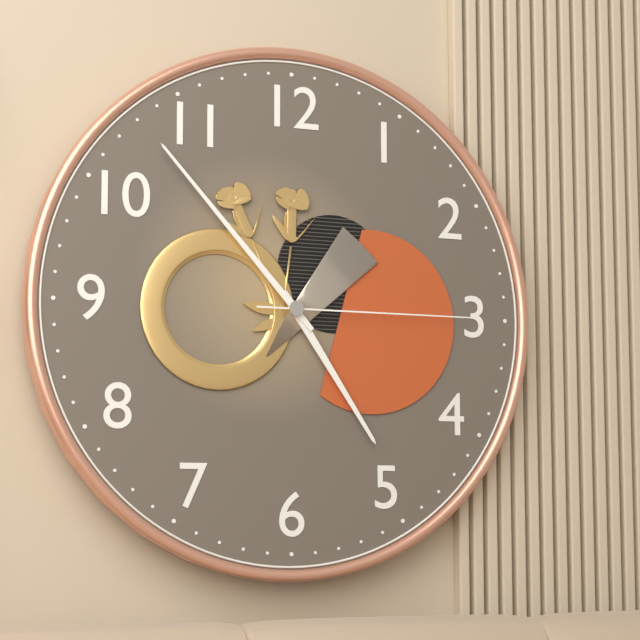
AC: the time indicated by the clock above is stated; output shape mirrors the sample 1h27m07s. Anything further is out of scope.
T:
4h53m15s
